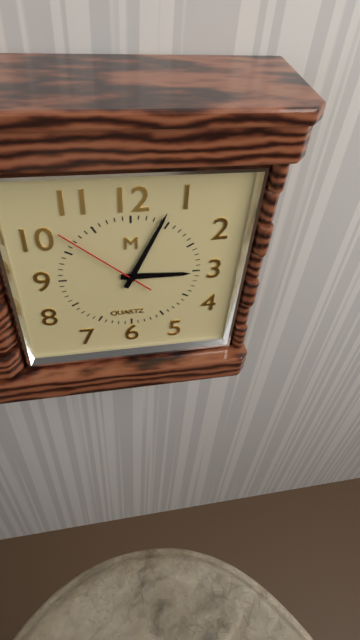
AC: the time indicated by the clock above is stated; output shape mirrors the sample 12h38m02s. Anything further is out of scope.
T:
3h04m52s
